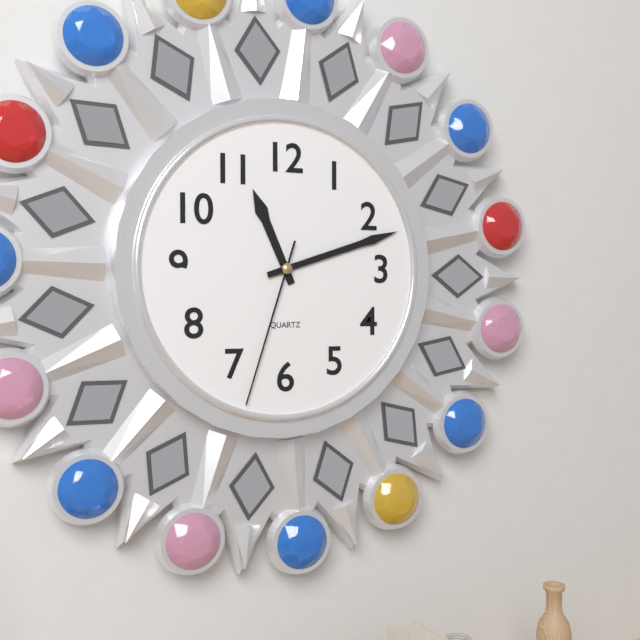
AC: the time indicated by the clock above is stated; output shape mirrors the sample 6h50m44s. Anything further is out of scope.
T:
11h12m33s
